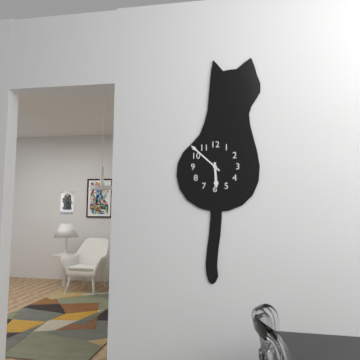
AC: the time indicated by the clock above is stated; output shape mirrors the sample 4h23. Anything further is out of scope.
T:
5h52
